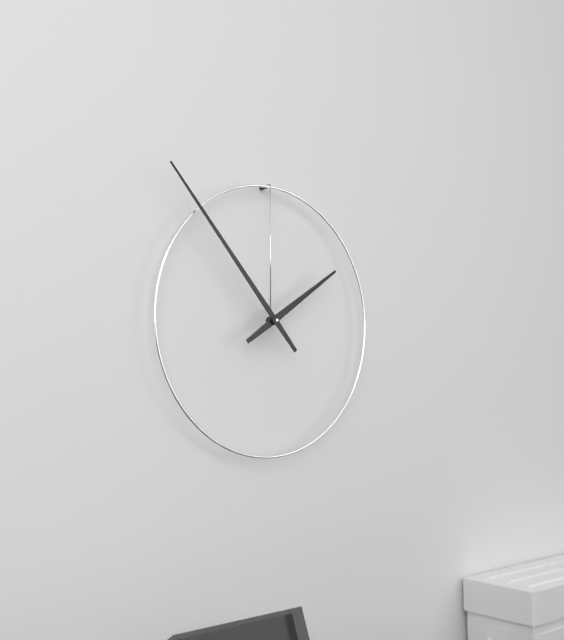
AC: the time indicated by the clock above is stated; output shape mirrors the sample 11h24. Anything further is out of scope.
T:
1h53
